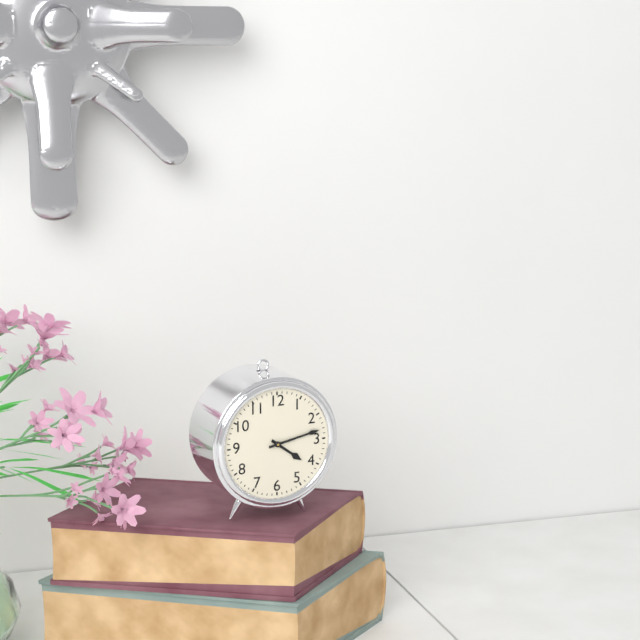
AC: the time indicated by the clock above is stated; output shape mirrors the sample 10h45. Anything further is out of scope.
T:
4h13
